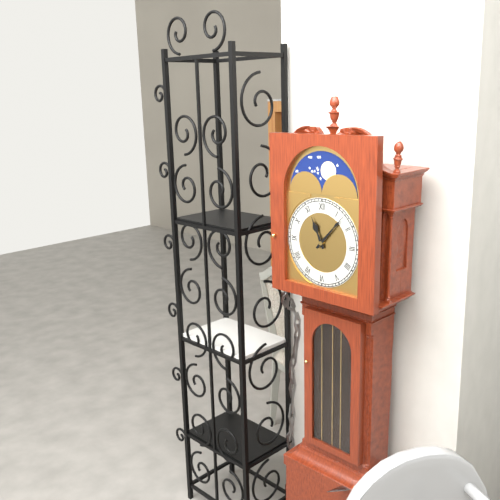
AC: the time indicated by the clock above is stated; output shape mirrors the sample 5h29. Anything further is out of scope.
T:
11h07
